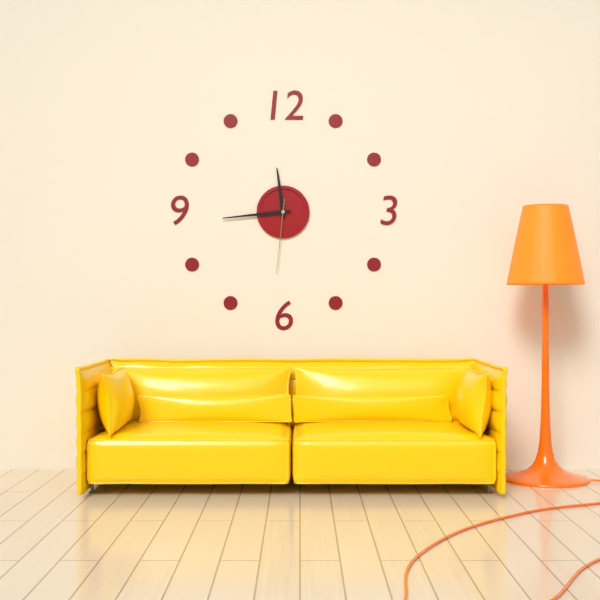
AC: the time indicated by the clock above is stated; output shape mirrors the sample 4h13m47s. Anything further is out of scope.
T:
11h44m31s
